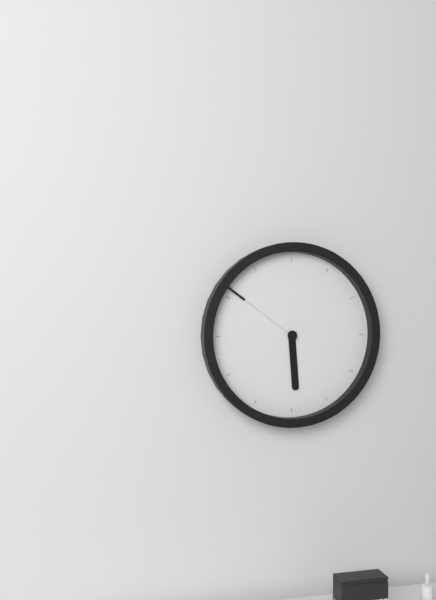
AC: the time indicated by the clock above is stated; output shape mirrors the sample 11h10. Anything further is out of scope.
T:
5h51
